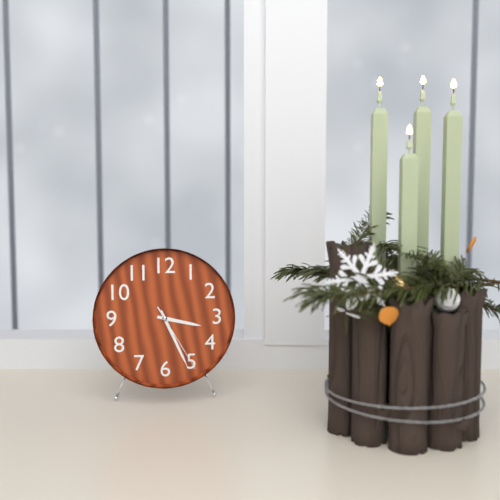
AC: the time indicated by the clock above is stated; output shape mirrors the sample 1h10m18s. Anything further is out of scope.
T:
3h26m25s
